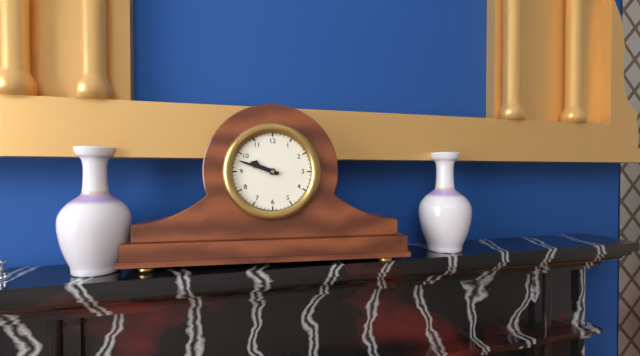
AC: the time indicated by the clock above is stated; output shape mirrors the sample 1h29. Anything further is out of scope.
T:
9h48
